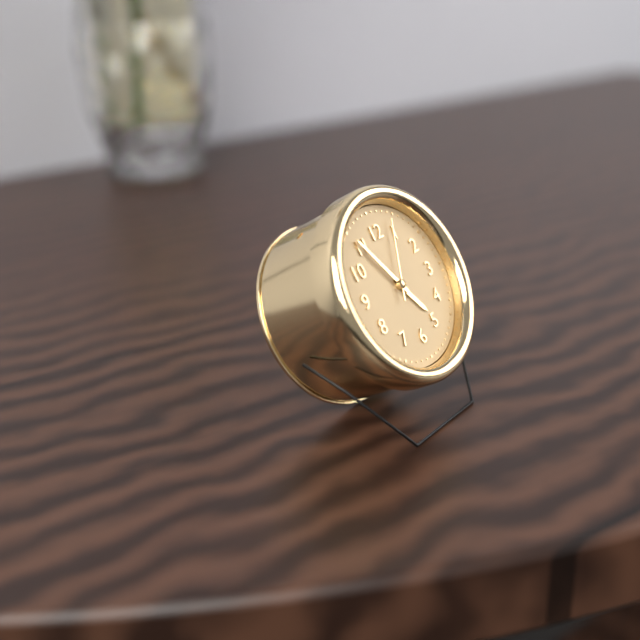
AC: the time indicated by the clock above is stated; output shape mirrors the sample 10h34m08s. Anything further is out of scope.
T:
4h55m04s
